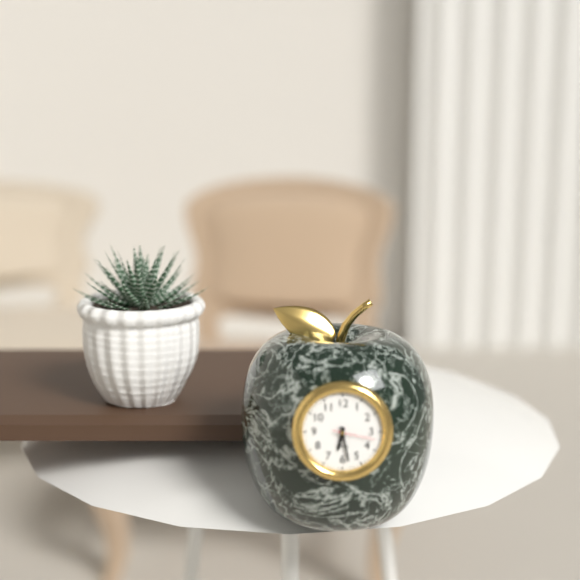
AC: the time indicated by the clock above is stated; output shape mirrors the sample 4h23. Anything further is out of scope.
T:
6h28
